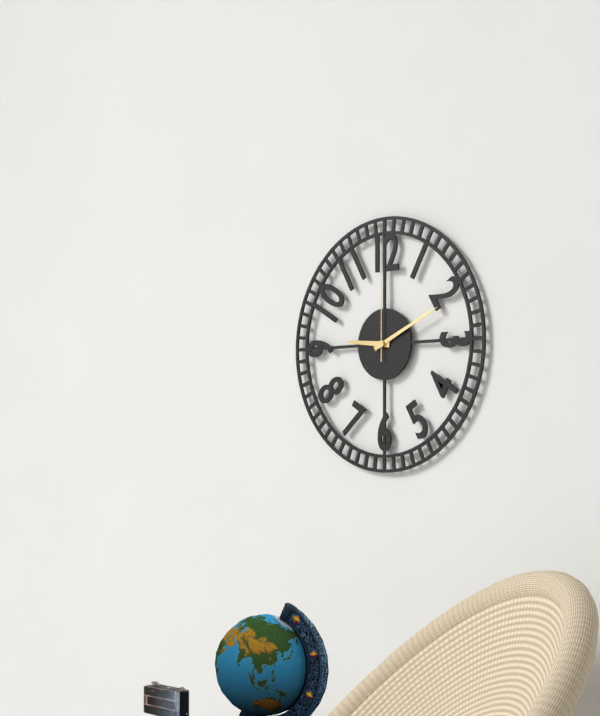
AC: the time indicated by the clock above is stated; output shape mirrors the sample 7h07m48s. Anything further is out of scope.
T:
9h11m00s
